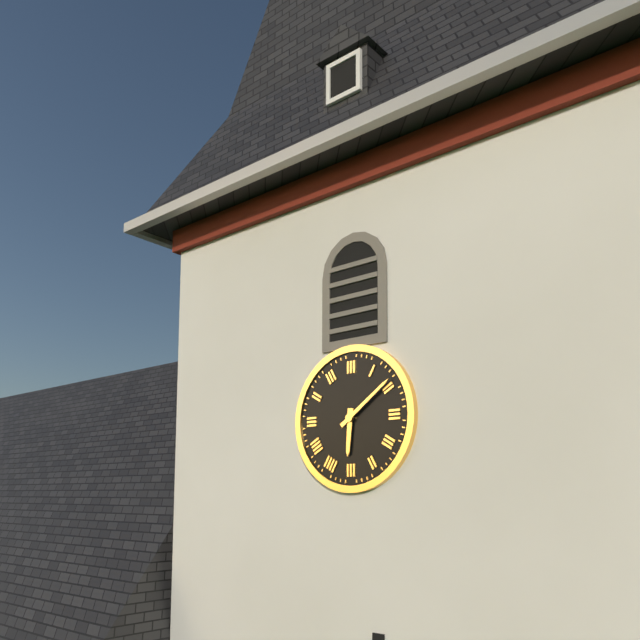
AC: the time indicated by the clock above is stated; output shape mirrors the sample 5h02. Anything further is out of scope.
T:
6h09
